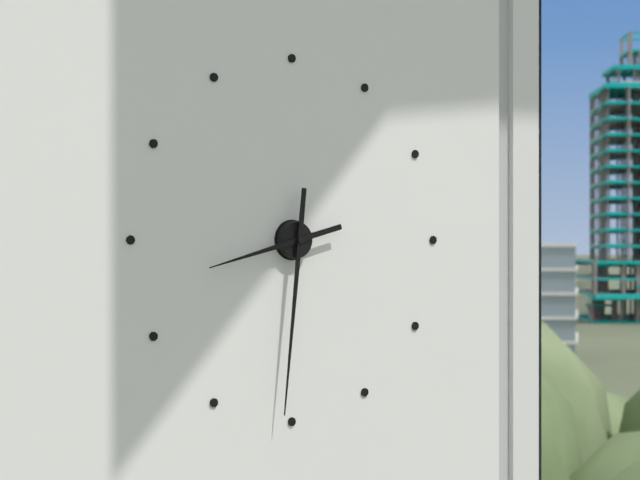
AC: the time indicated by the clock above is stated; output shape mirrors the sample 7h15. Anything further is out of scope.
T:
8h31
